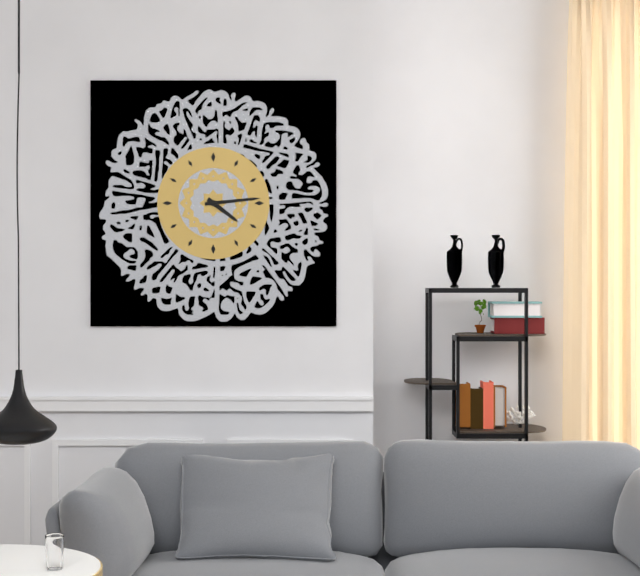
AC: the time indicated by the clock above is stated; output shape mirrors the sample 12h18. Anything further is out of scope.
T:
4h14
